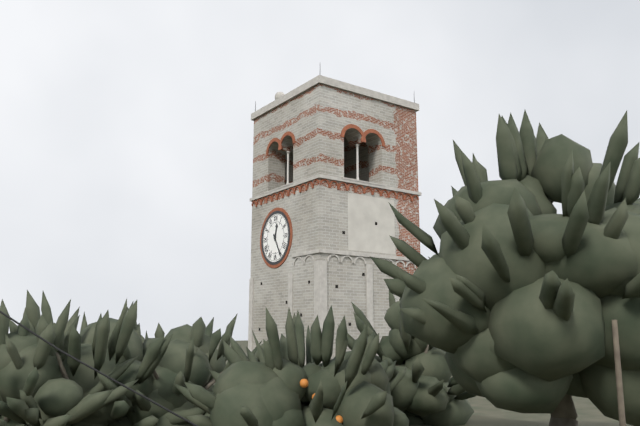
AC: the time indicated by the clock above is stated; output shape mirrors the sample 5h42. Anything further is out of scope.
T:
12h25
